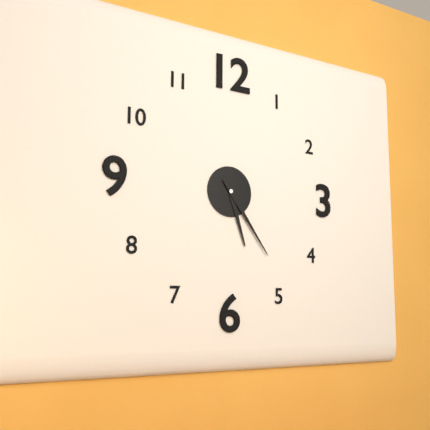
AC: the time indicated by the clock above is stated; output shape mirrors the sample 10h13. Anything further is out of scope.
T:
5h24
